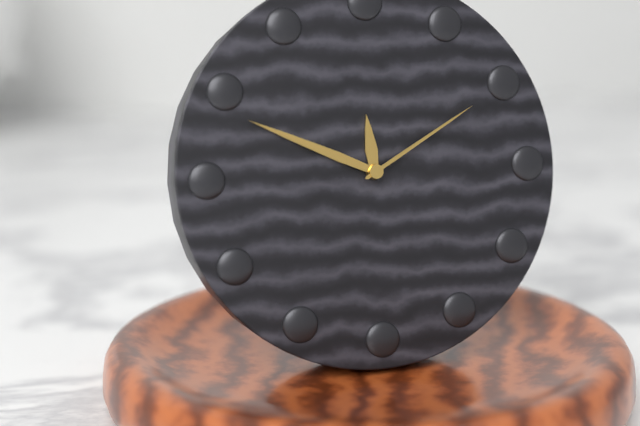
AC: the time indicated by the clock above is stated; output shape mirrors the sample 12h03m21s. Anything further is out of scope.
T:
11h49m10s
